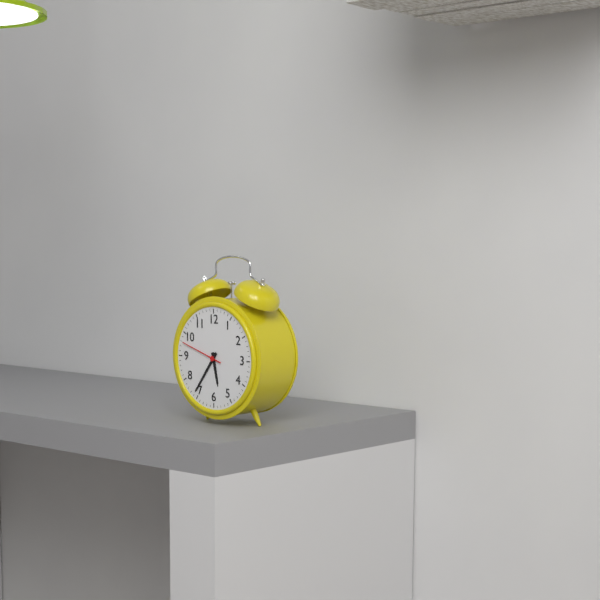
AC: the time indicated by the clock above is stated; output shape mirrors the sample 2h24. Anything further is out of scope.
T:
5h36
